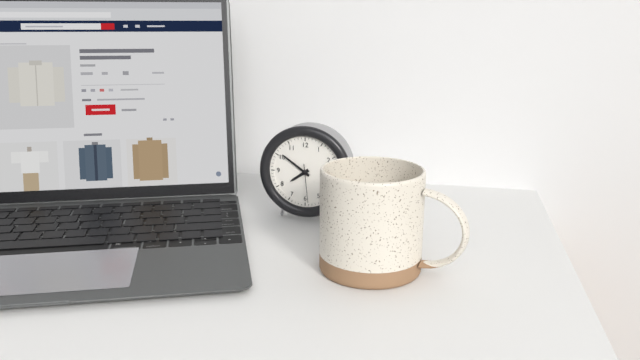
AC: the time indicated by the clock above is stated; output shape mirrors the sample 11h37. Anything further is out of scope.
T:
7h51
